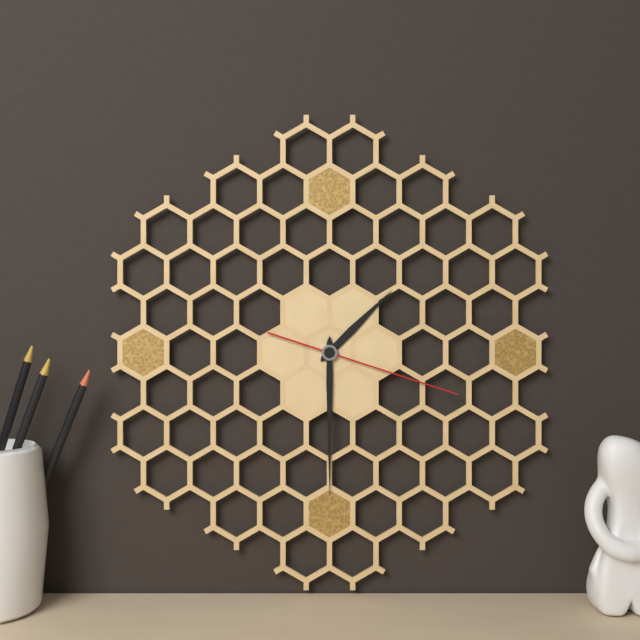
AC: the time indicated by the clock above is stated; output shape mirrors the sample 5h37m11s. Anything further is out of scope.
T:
1h30m18s
